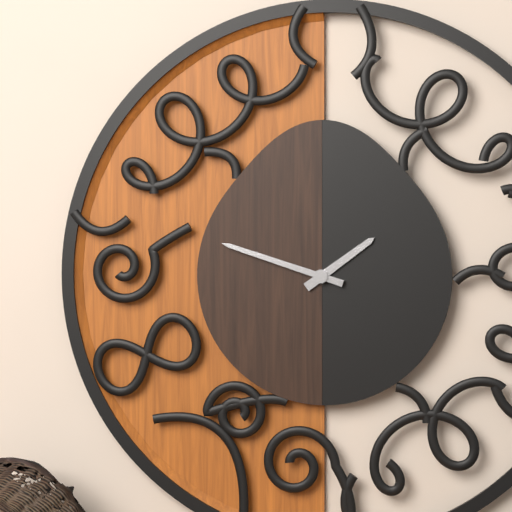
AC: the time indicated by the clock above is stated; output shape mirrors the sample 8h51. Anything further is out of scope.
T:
1h48
